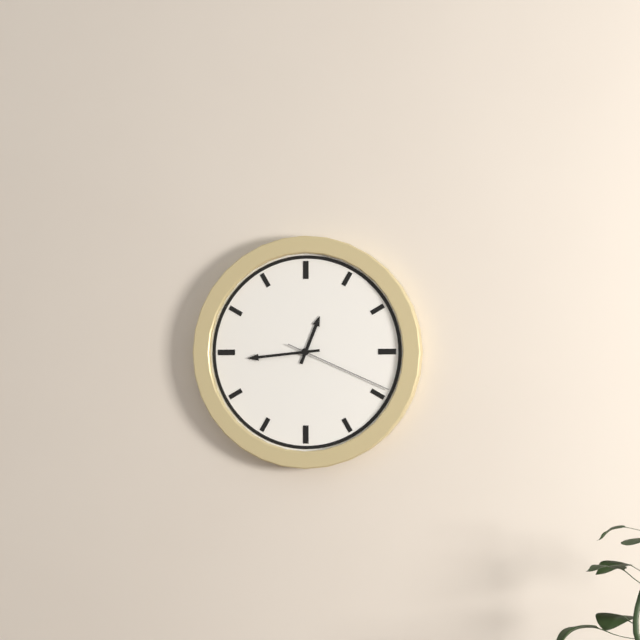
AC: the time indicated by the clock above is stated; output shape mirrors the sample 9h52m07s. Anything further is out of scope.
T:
12h44m19s
